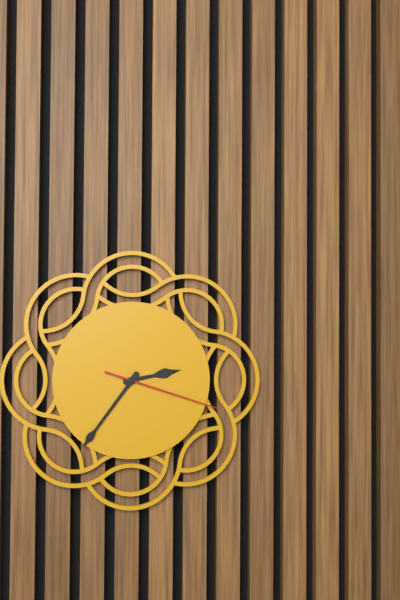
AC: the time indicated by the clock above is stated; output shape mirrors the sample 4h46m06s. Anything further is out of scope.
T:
2h36m18s
